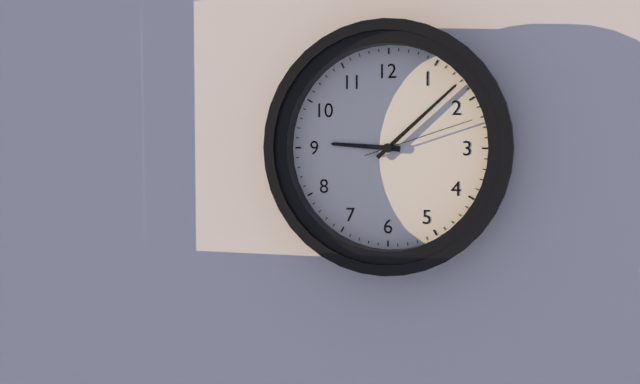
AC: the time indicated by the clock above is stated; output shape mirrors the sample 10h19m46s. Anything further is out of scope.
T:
9h08m12s
